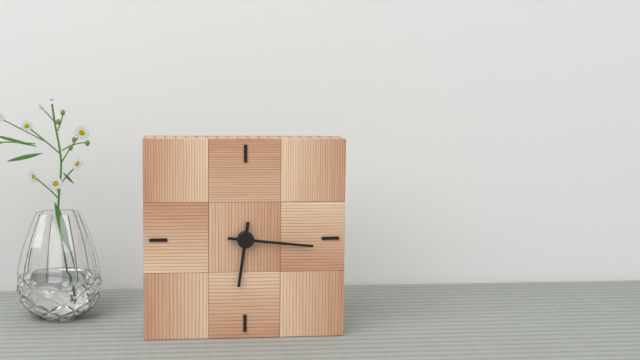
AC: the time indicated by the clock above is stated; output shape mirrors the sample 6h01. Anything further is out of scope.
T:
6h16
